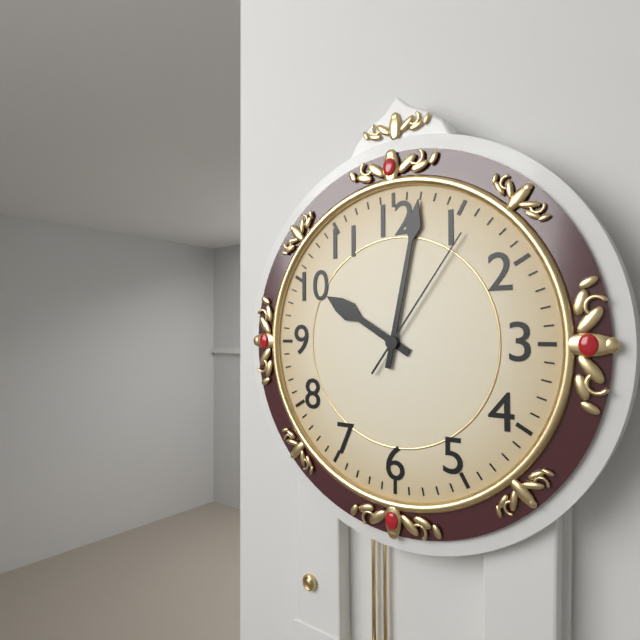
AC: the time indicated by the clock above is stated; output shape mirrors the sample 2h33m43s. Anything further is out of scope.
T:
10h02m06s
